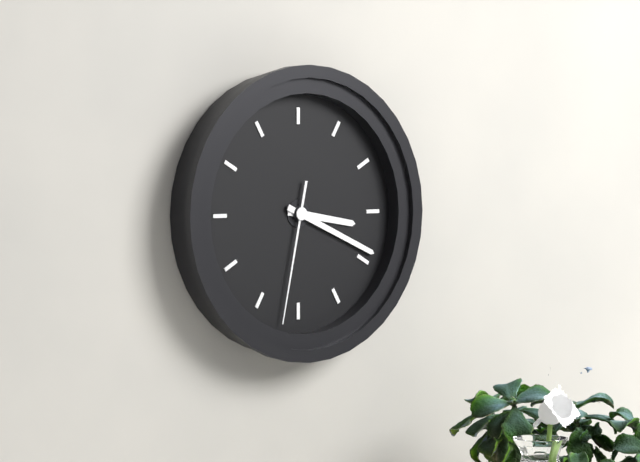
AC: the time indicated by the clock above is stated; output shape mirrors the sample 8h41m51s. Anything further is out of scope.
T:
3h19m32s
